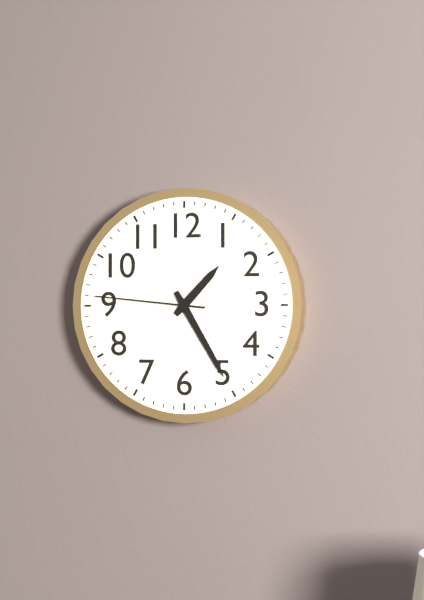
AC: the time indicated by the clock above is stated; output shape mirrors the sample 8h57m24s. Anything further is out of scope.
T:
1h25m46s
